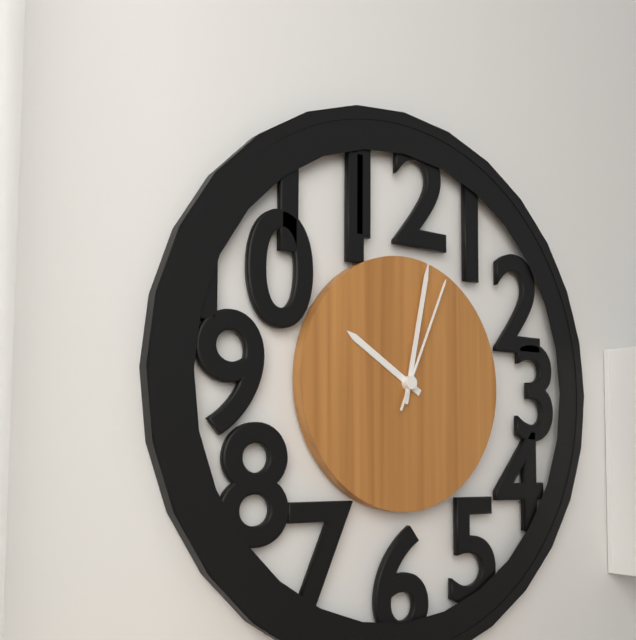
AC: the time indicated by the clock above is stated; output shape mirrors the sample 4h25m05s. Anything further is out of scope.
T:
10h02m04s
